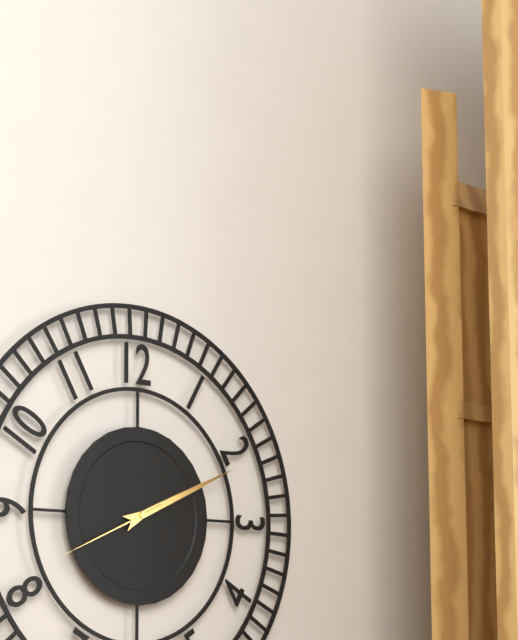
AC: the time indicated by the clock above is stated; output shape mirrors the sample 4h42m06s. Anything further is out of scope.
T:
2h11m41s
